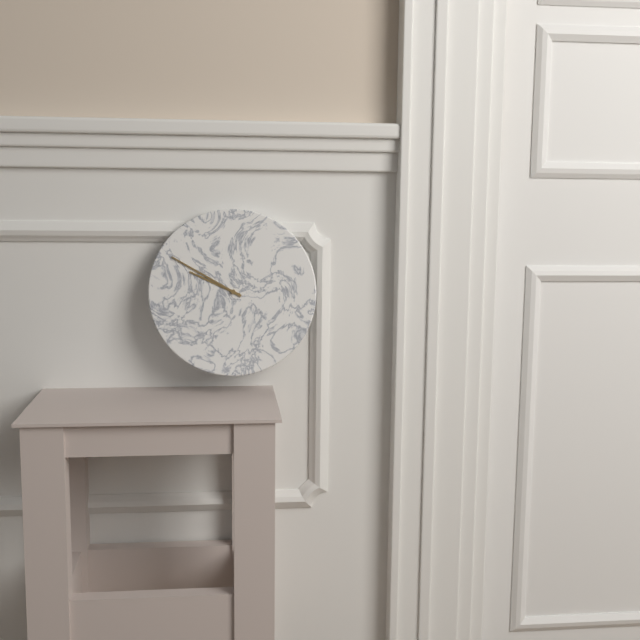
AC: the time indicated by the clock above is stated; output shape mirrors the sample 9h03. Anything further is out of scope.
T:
9h50
